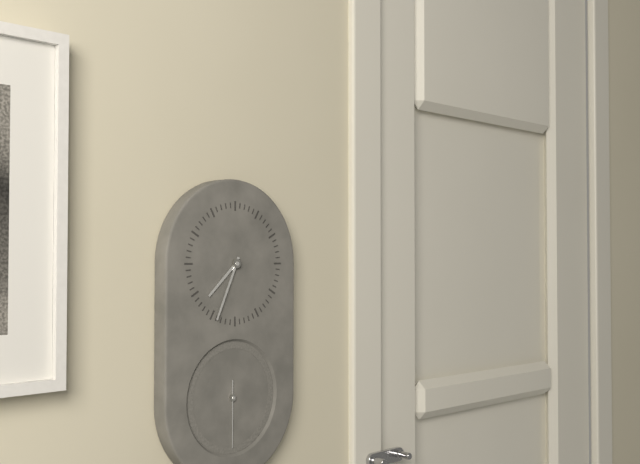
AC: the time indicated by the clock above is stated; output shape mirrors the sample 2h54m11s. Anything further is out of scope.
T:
7h34m30s
